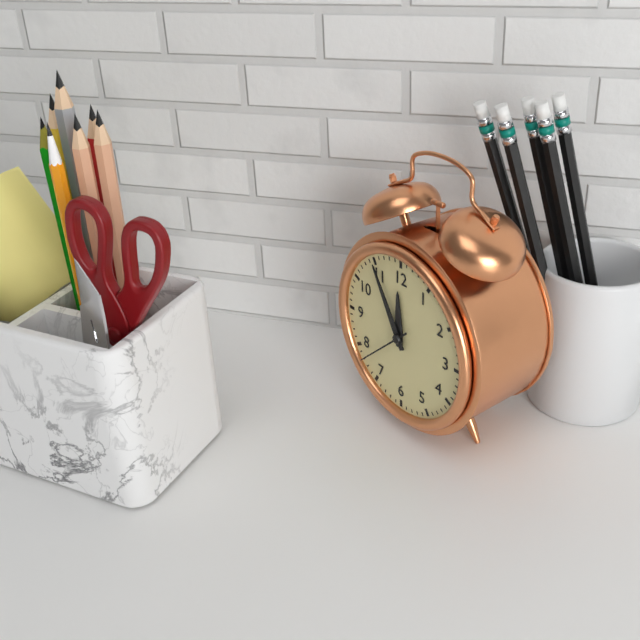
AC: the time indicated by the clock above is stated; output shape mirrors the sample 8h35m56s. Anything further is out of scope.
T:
11h55m38s
